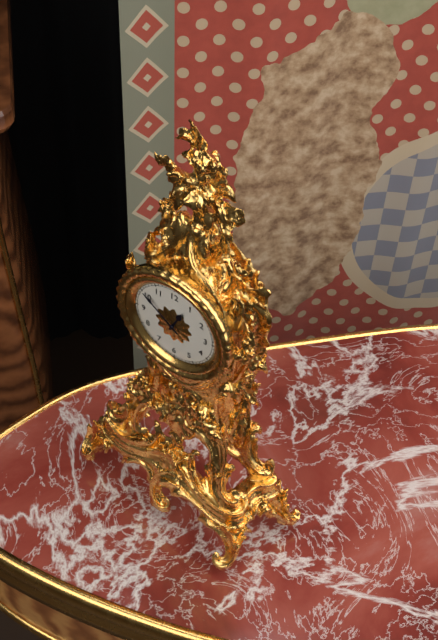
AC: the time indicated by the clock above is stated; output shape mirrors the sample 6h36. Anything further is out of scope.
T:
12h51
